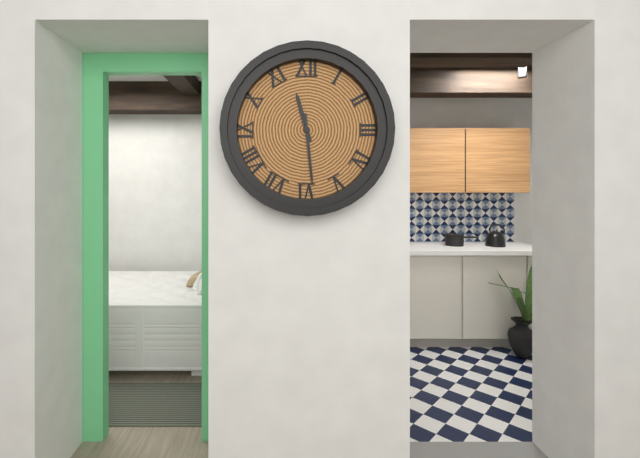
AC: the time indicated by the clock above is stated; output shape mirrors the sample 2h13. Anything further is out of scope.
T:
11h29
